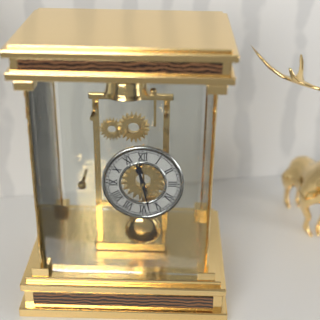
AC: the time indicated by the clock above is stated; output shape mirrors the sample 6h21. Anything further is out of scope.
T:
11h28
